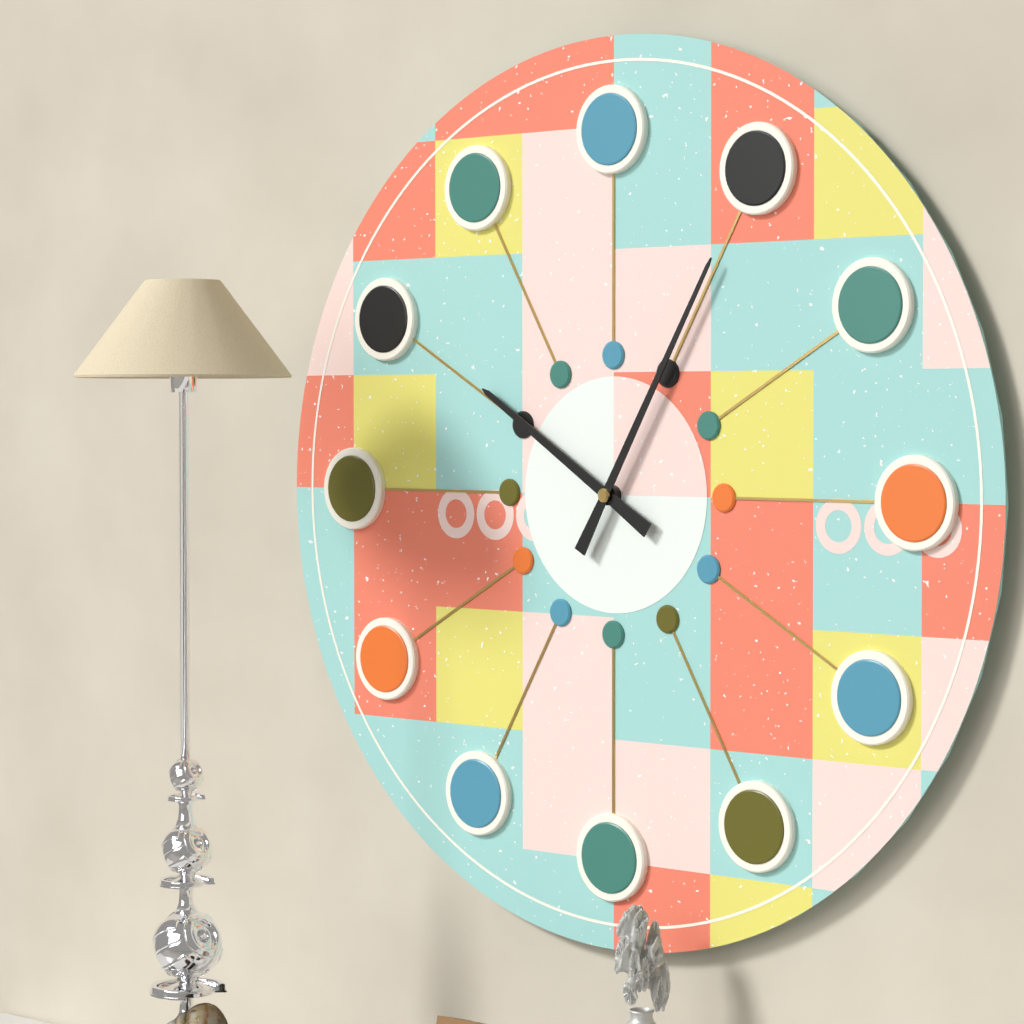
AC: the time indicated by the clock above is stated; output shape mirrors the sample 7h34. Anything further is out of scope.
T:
10h05
